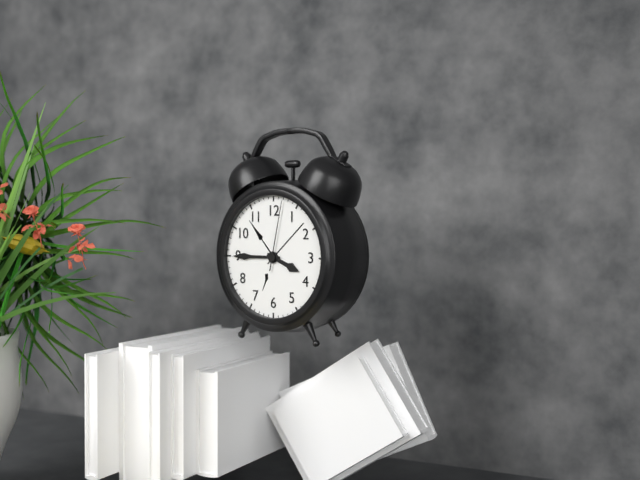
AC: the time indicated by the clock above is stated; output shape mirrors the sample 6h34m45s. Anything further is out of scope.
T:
3h45m02s
